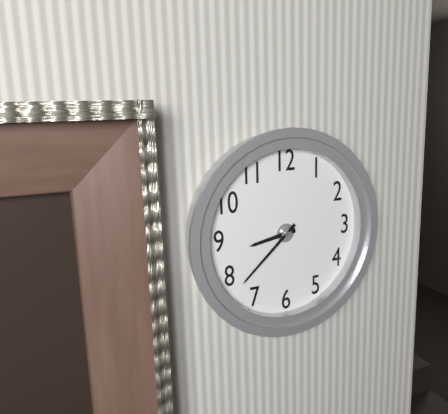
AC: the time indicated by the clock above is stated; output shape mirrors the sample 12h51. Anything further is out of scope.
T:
8h38
